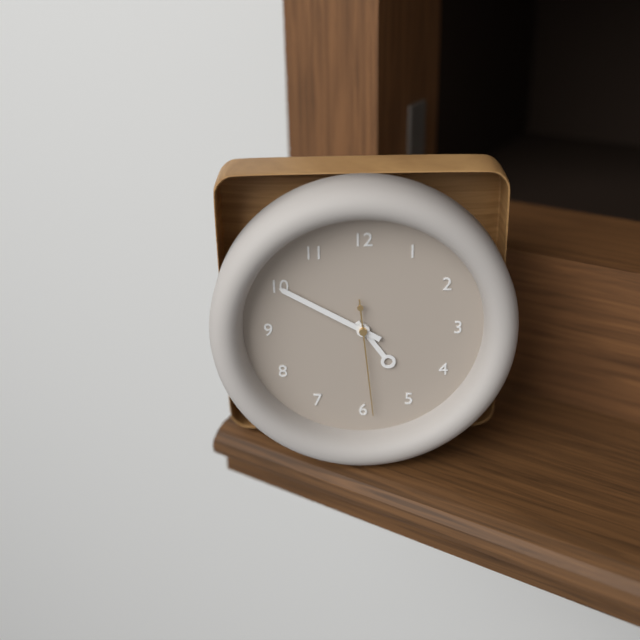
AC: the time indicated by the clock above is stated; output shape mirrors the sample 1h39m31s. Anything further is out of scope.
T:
4h50m29s
